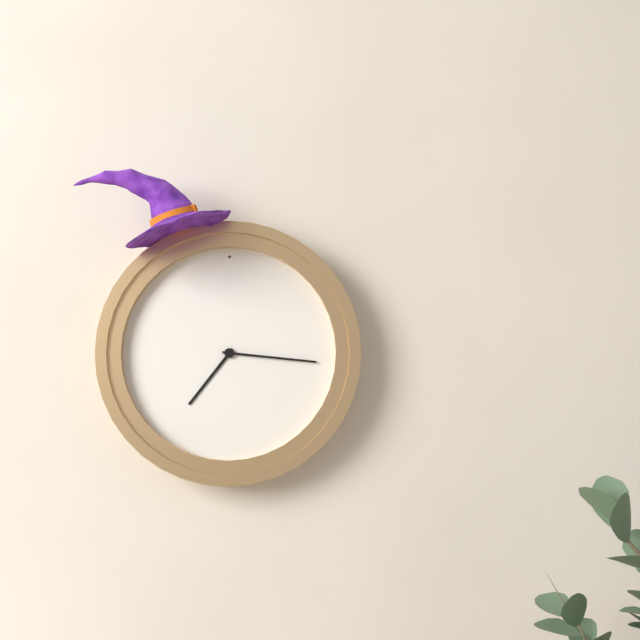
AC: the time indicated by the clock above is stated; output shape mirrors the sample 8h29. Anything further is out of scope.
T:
7h16
